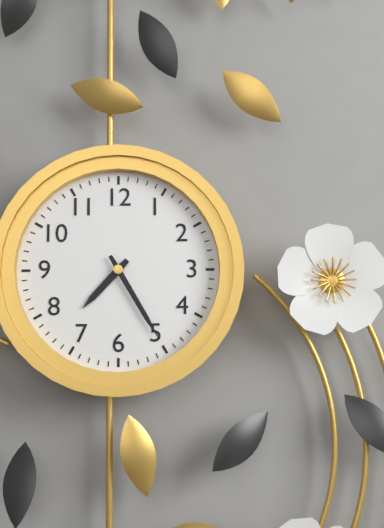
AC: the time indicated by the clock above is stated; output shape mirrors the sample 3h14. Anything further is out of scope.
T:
7h25
